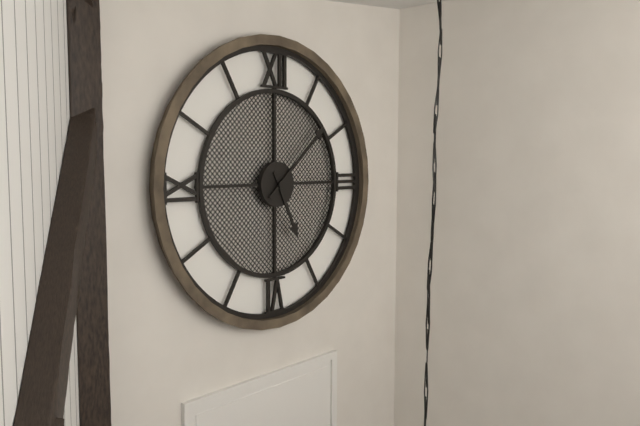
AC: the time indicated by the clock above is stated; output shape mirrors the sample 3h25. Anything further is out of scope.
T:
5h08
